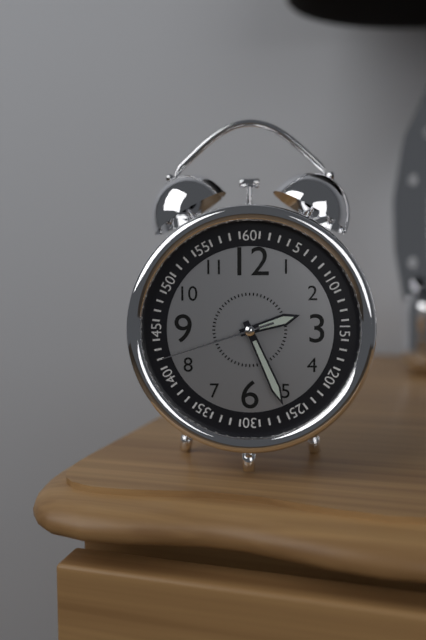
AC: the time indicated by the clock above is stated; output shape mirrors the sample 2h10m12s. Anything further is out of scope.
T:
2h26m42s
